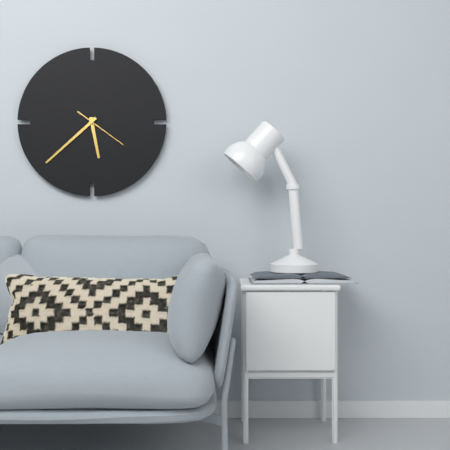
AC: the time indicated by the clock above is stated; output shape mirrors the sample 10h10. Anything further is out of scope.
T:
5h38
